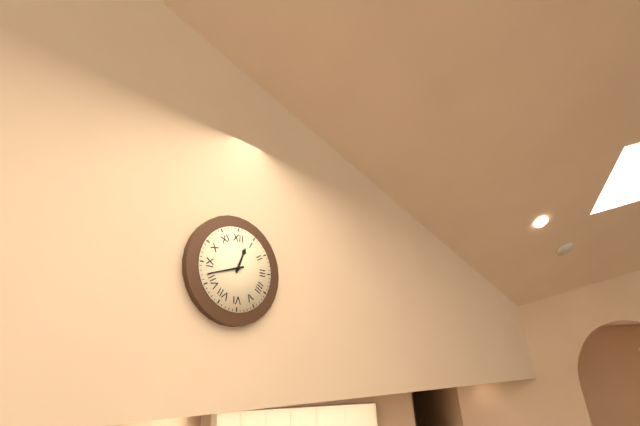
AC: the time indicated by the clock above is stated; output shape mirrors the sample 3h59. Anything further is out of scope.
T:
12h42
